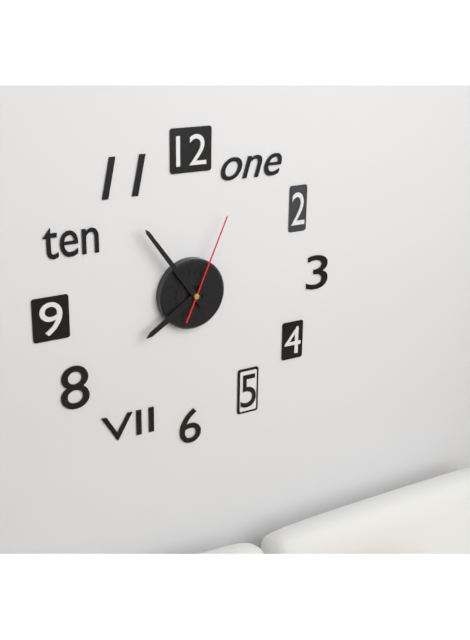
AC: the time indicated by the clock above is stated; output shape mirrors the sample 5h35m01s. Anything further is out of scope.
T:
7h54m04s
